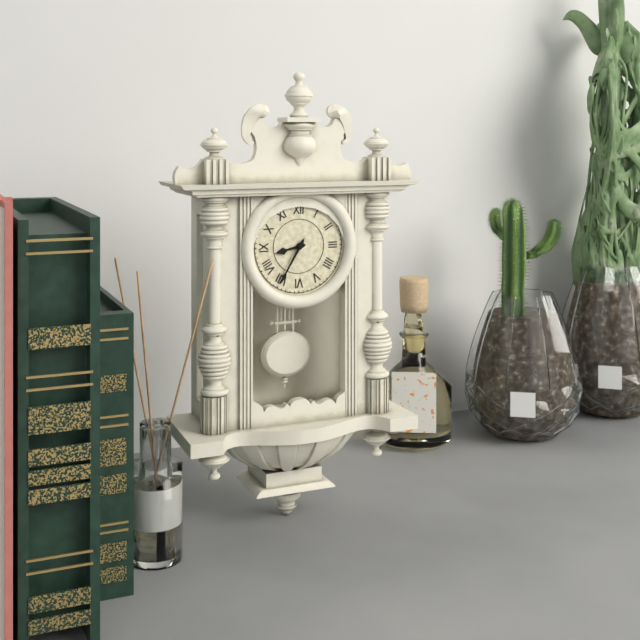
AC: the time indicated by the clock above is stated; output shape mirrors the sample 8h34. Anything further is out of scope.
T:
8h35
